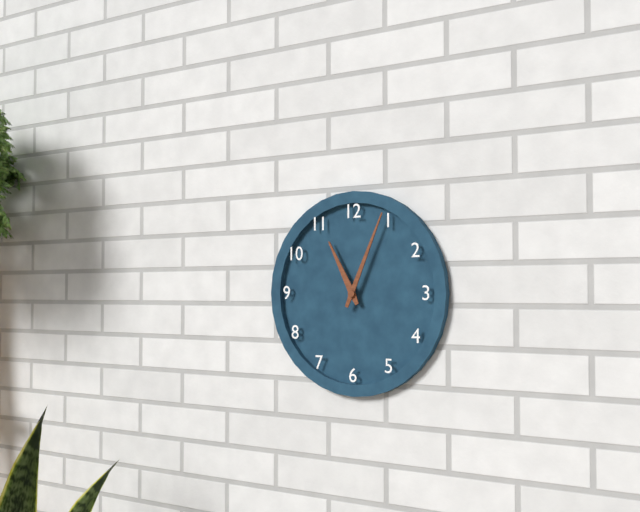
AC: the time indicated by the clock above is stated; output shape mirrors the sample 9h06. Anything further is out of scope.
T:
11h04
